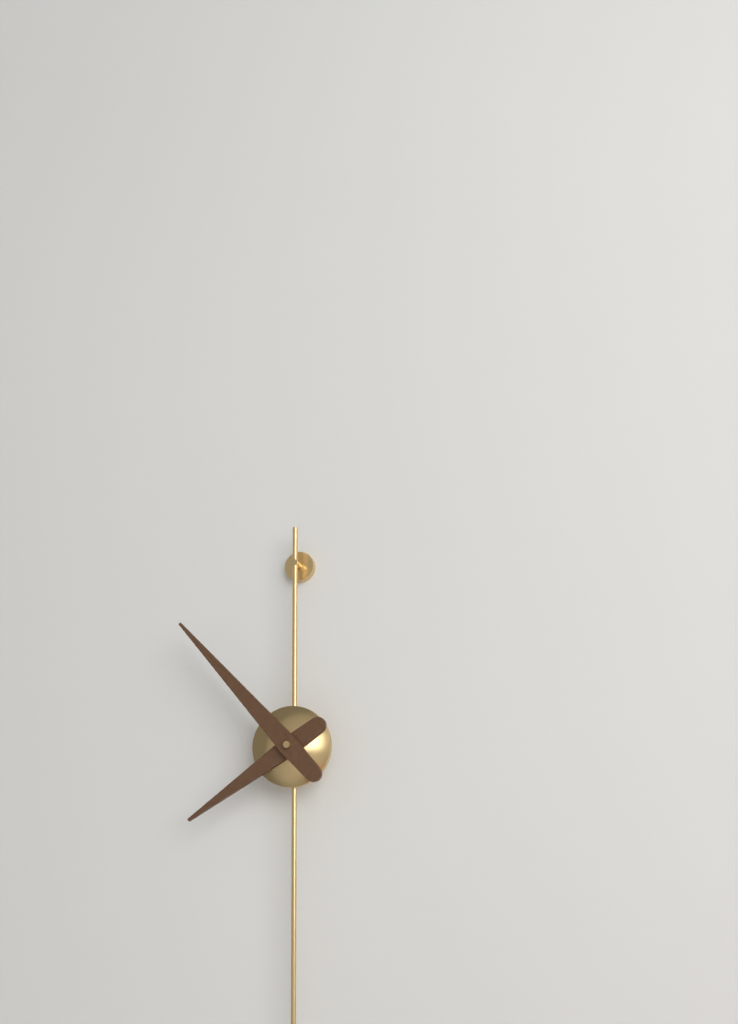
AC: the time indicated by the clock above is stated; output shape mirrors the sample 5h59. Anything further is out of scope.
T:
7h53
